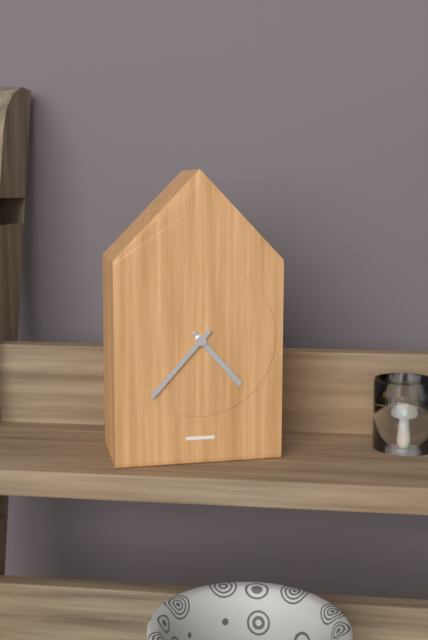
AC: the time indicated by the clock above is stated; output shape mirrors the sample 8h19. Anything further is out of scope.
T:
4h37
